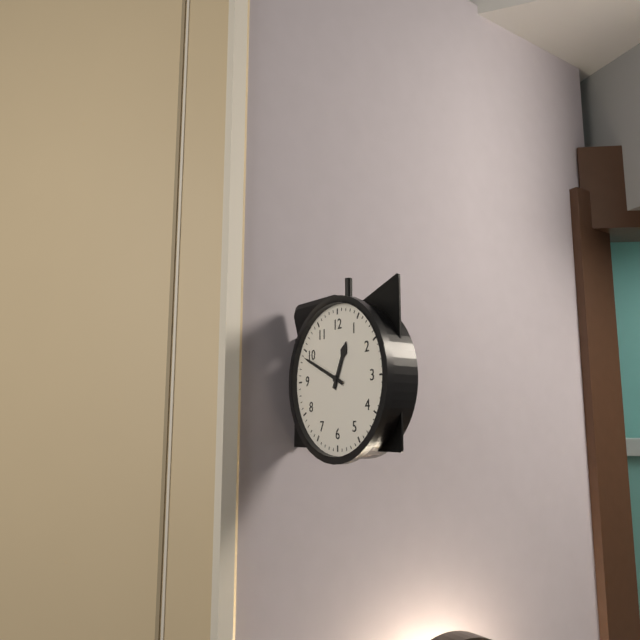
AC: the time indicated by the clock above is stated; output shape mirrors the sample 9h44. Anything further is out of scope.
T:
12h49
